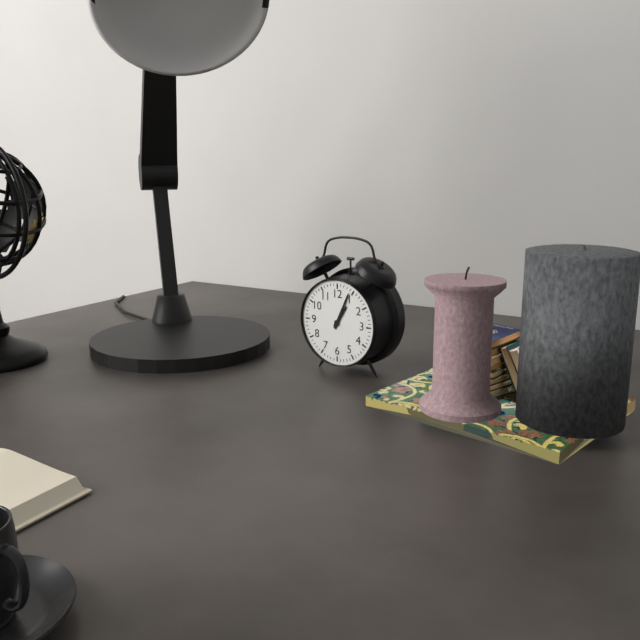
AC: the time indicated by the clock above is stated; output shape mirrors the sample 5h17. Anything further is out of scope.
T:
1h04
